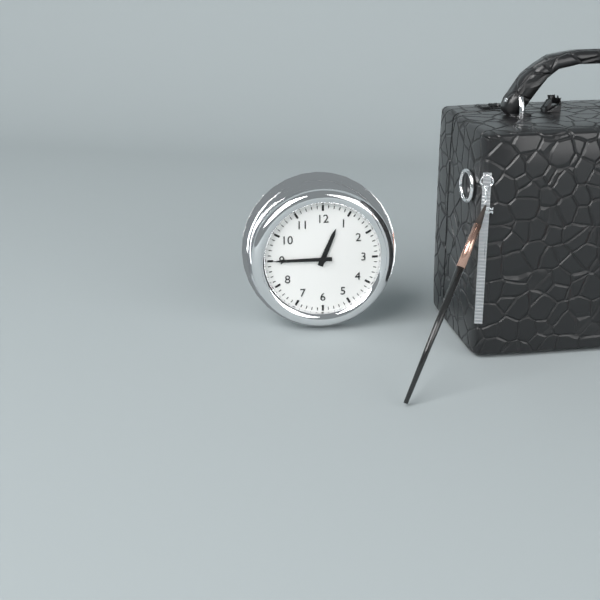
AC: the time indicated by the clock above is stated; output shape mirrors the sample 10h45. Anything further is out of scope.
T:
12h45
